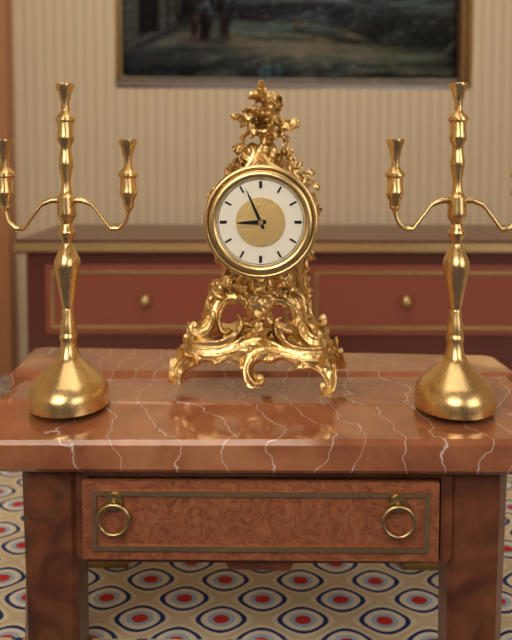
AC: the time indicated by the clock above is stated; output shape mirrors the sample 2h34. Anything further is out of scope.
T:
8h56
